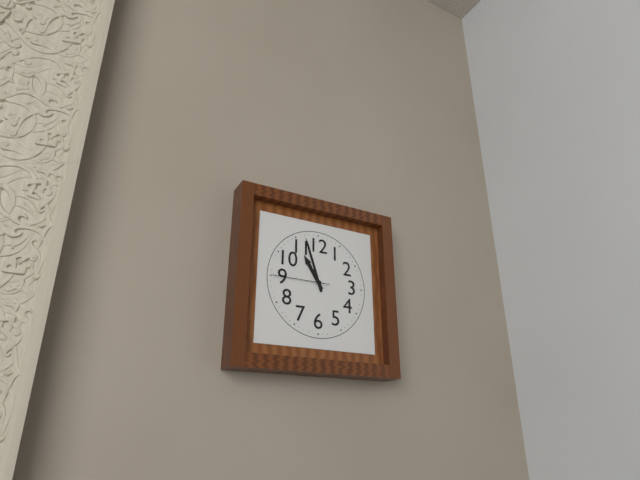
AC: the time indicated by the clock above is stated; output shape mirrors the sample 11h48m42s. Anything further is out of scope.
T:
10h57m45s
